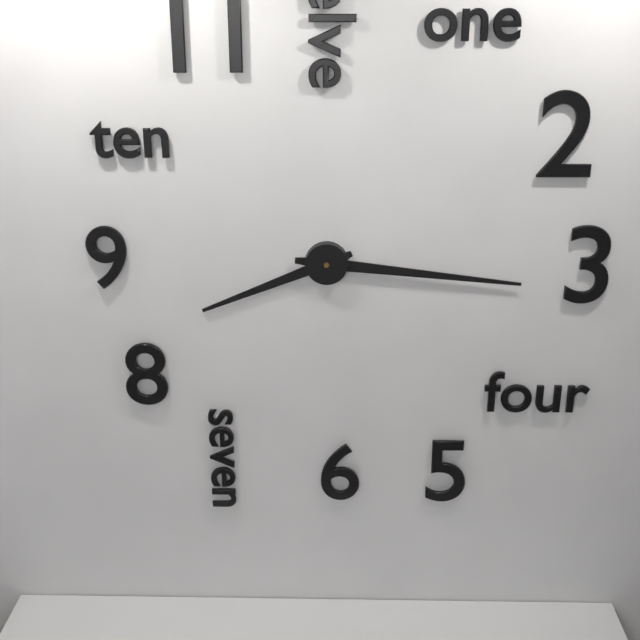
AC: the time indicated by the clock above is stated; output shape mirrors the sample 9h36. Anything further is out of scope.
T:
8h16
